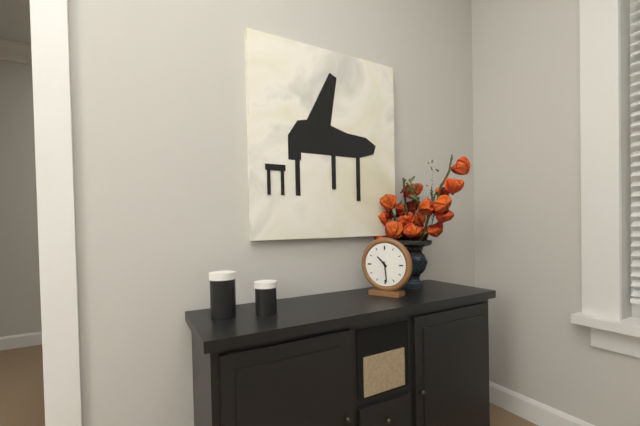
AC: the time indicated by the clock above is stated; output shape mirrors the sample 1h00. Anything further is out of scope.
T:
10h29
